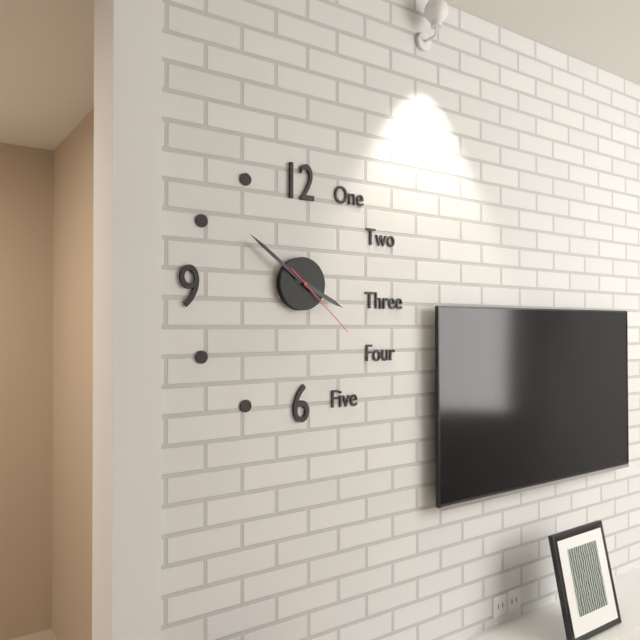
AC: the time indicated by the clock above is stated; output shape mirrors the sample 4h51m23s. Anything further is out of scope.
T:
3h51m22s
